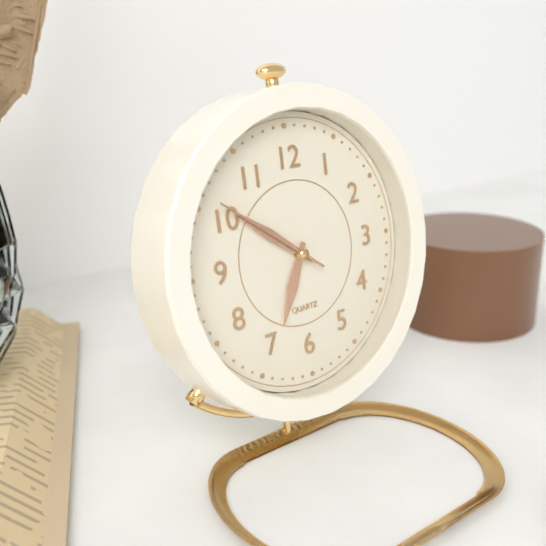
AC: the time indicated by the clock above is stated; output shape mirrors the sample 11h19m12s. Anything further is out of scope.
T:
6h51m51s
